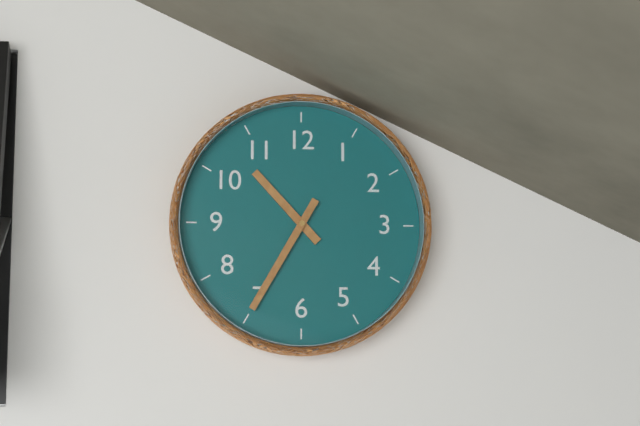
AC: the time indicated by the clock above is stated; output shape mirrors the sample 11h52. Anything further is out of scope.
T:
10h35
